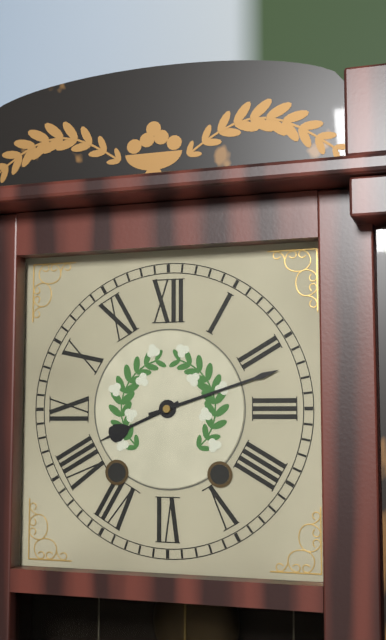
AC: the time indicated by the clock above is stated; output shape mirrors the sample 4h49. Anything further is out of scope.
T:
8h12
